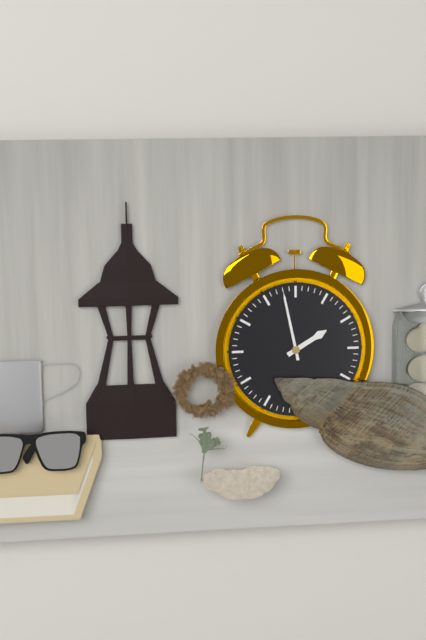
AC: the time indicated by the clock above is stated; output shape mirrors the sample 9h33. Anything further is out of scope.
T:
1h58
